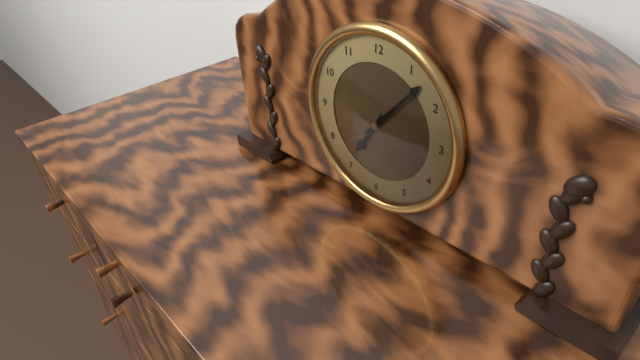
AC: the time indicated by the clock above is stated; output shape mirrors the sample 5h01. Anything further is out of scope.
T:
7h07
